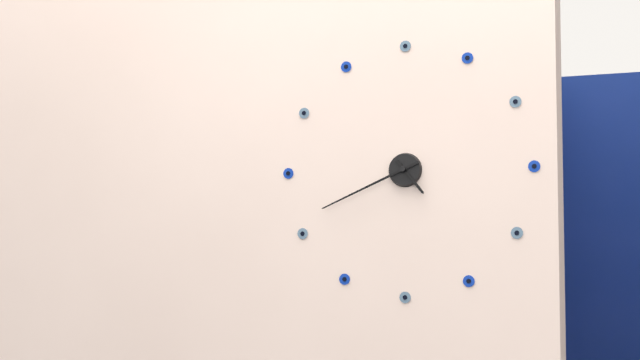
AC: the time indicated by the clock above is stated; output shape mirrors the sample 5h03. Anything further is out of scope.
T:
4h41
